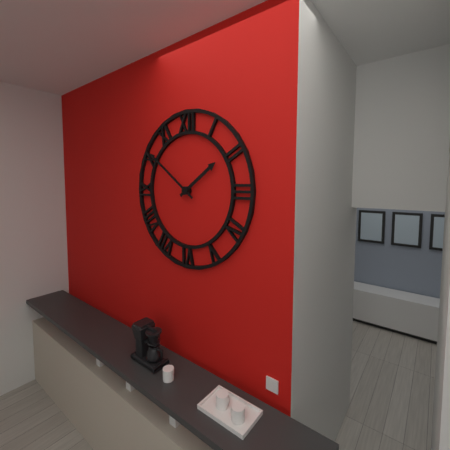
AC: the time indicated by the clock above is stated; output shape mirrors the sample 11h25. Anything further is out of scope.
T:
1h51
